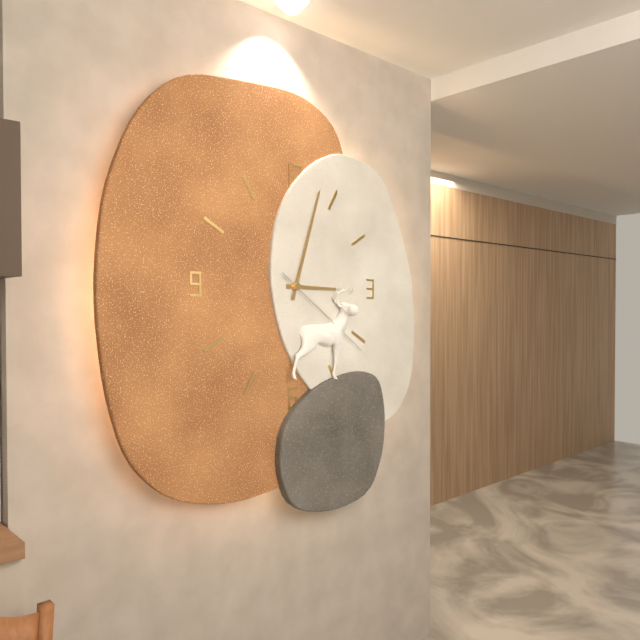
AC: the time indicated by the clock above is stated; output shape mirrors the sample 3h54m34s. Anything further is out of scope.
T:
3h03m21s
